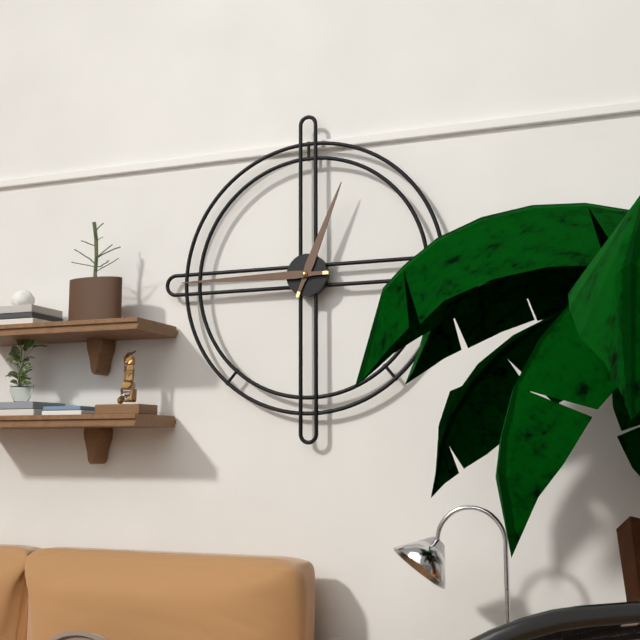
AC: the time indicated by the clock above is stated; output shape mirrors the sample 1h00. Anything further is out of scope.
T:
12h45
